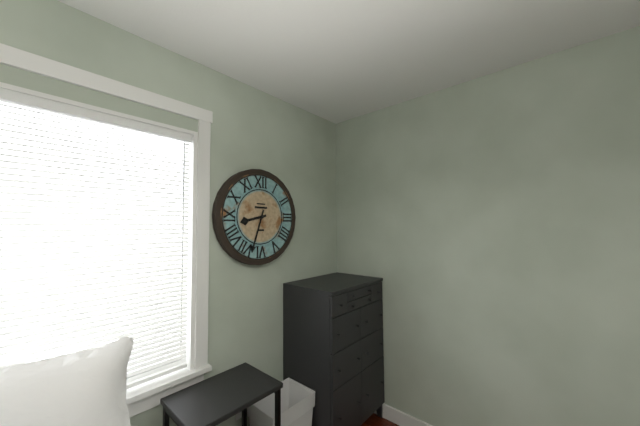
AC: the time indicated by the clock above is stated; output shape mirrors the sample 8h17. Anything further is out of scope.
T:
8h33
